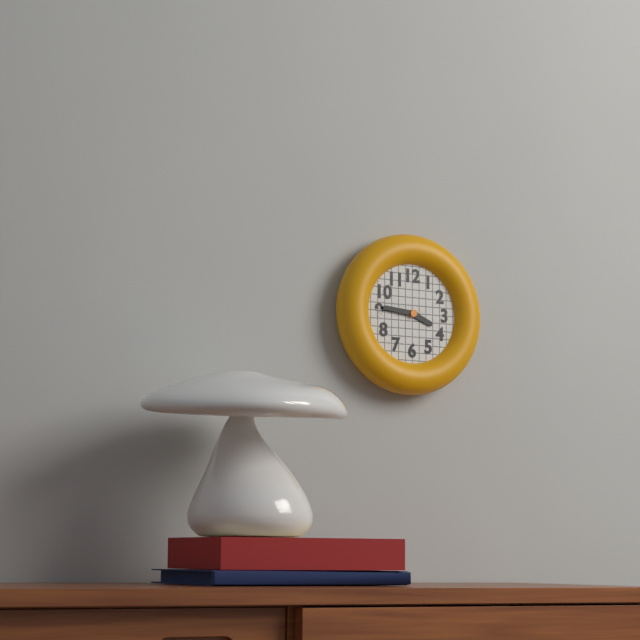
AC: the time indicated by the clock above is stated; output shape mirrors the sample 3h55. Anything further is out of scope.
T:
3h46
